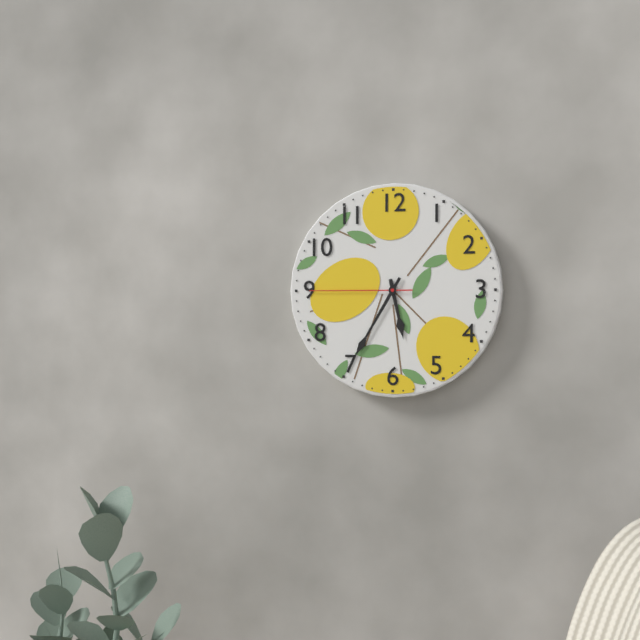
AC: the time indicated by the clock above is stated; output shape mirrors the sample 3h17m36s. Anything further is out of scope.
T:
5h35m45s
